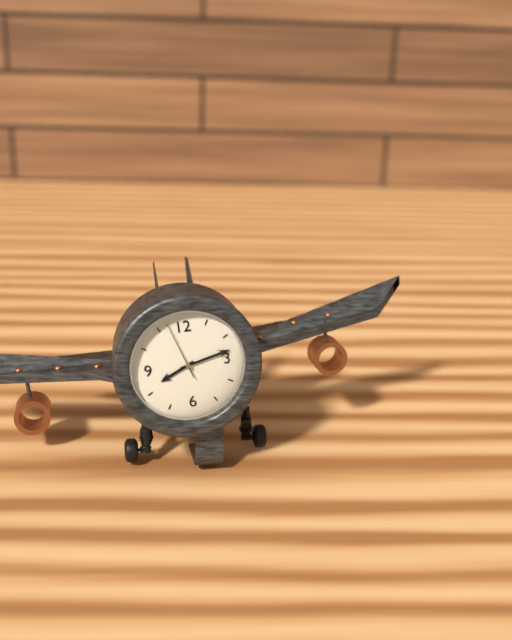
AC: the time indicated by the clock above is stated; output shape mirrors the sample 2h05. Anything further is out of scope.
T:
8h13
